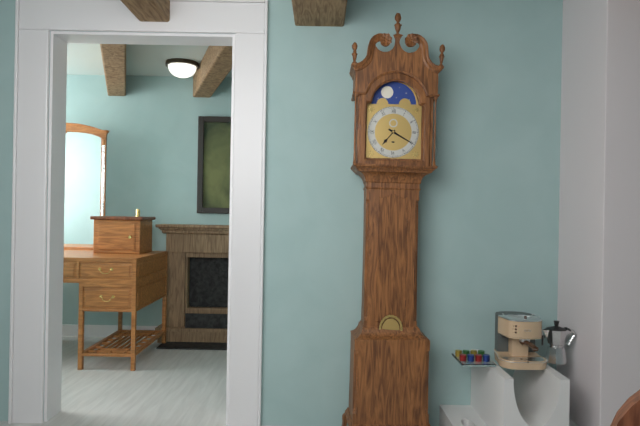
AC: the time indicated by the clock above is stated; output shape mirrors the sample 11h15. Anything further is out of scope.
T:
7h20
